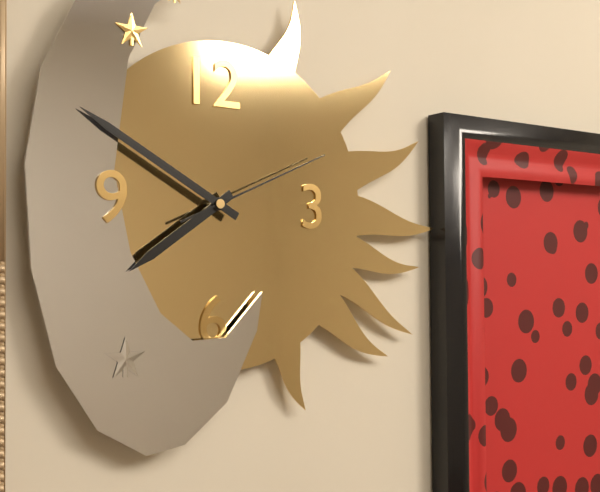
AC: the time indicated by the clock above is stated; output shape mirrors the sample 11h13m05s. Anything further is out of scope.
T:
7h50m11s
